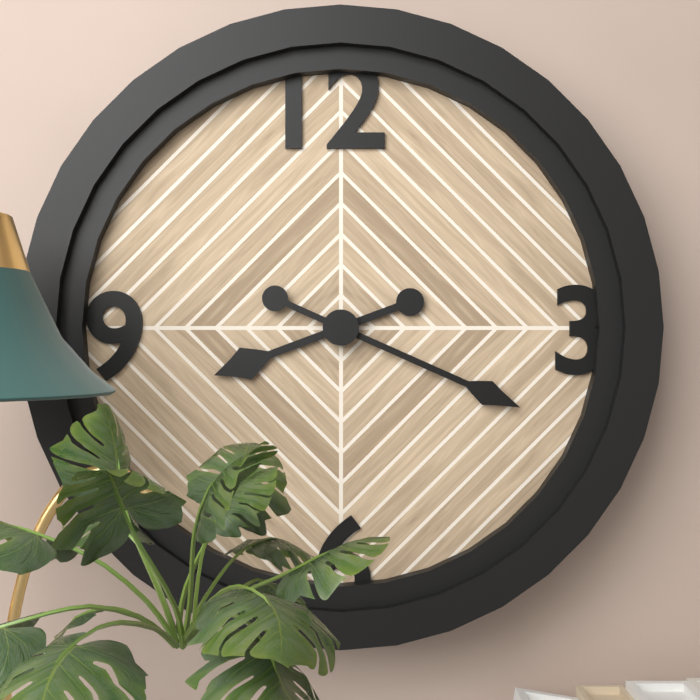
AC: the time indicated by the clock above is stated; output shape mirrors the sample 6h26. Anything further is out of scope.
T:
8h19
